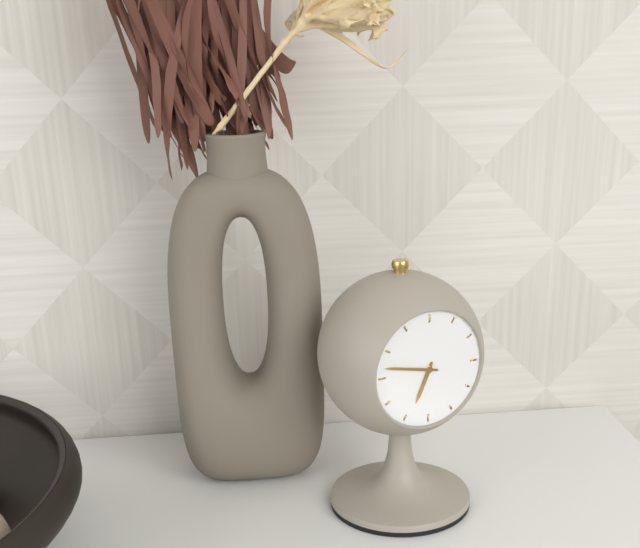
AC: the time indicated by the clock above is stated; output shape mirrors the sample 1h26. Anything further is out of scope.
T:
6h47
